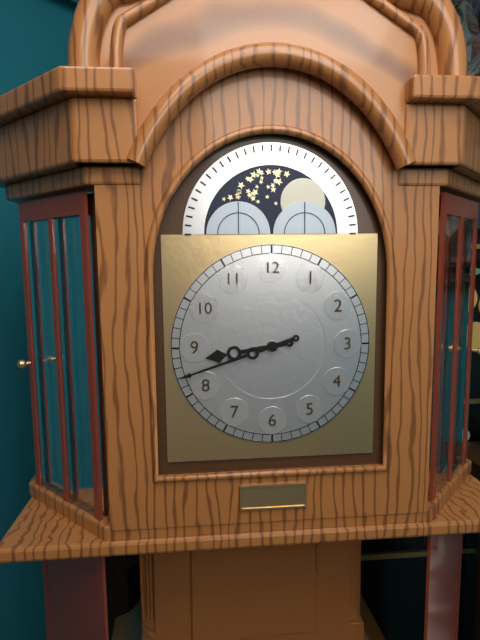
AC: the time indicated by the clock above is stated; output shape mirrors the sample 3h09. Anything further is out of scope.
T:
8h42
